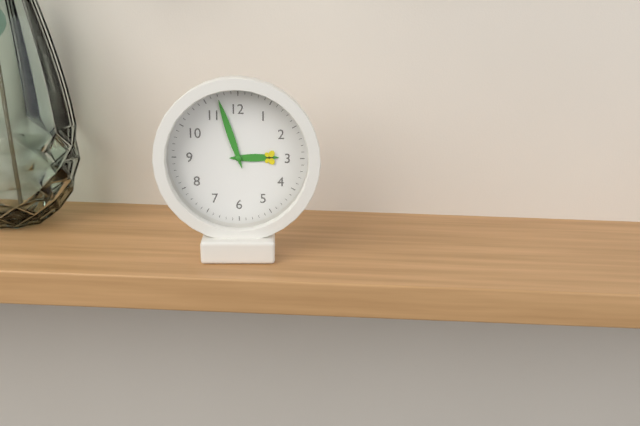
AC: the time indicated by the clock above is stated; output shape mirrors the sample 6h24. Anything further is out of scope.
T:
2h57
